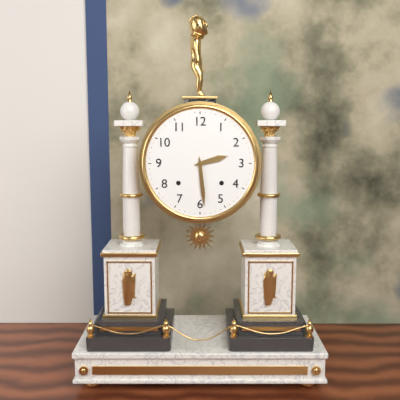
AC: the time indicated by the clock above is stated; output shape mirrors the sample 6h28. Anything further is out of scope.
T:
2h29
